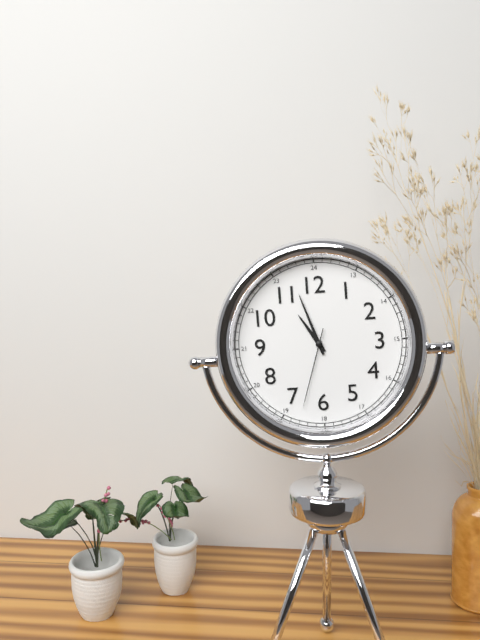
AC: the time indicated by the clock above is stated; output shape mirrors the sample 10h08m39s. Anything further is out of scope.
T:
10h57m33s
